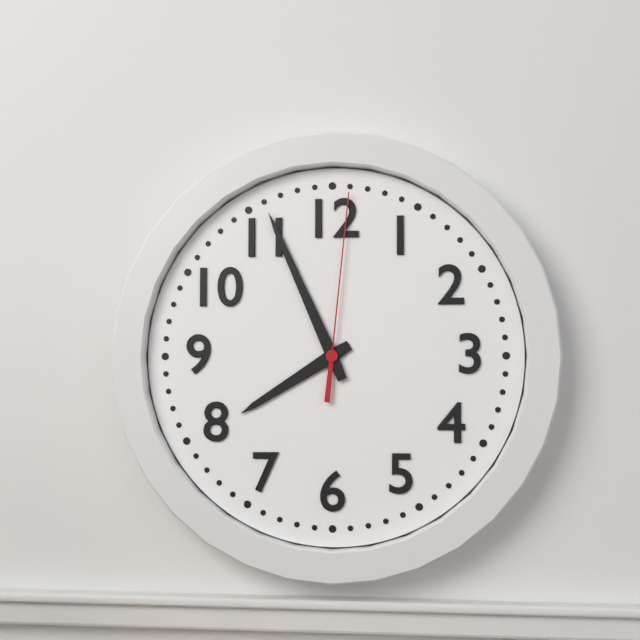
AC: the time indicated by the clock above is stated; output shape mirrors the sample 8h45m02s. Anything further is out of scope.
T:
7h56m01s
